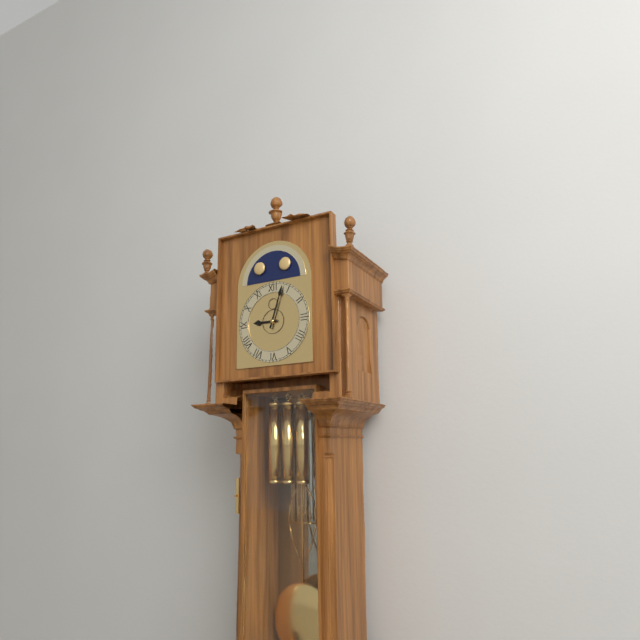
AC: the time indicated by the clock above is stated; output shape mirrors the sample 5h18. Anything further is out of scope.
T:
9h03
